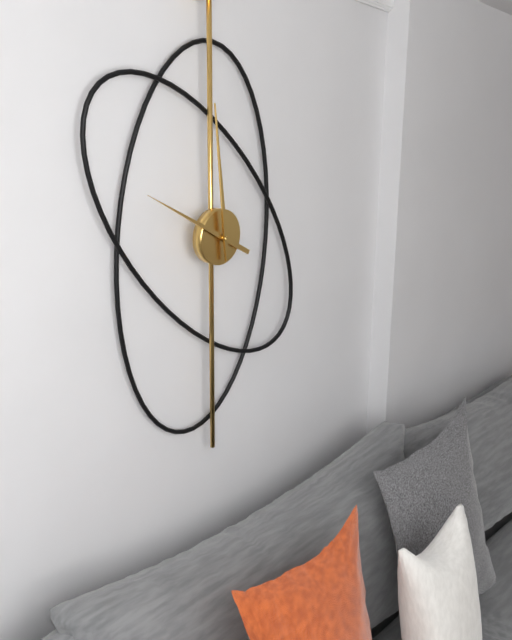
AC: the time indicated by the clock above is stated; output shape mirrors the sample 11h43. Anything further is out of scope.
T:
9h59
